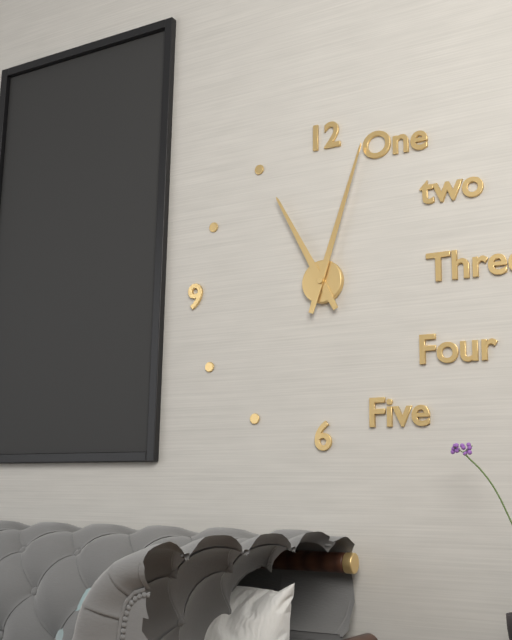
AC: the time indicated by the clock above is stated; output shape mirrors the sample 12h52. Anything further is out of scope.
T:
11h03
